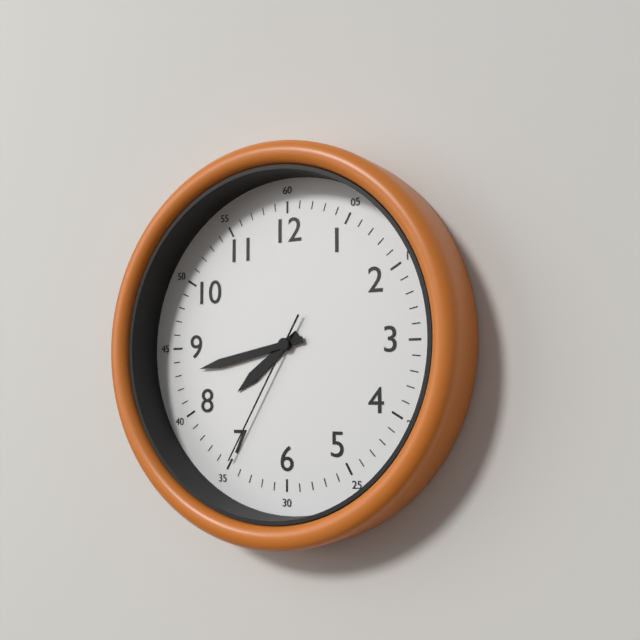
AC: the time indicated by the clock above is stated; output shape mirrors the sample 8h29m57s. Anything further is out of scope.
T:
7h43m35s
